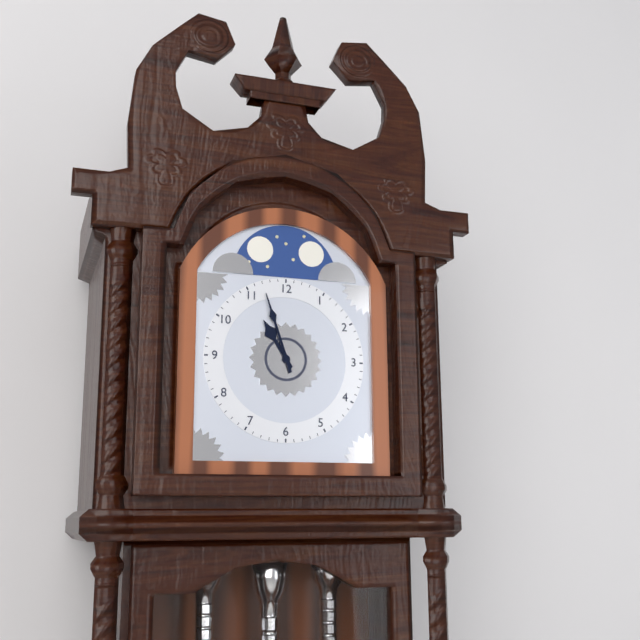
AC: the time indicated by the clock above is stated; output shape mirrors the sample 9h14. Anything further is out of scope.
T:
10h57
